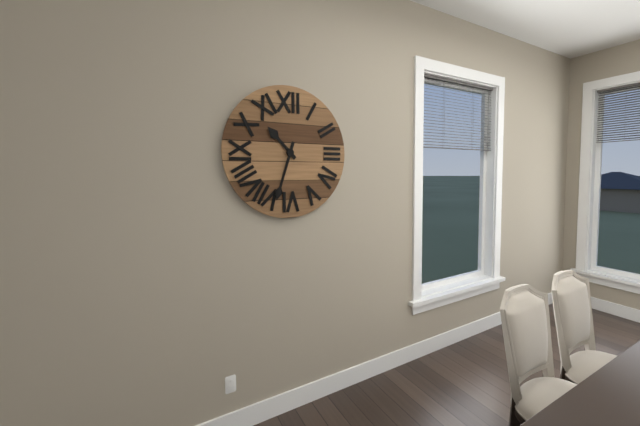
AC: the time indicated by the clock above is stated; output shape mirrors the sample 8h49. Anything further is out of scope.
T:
10h33
